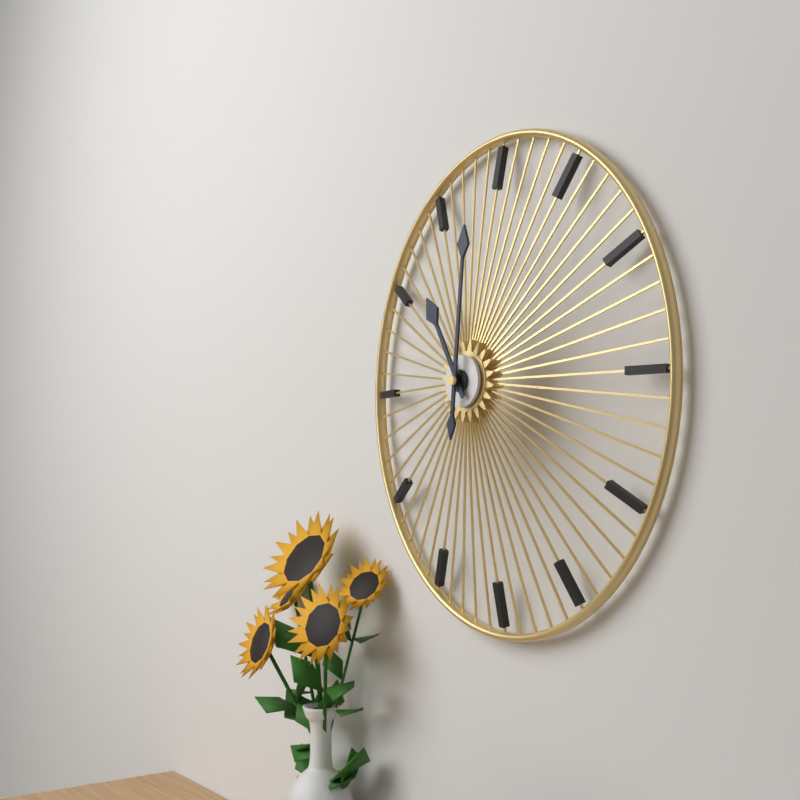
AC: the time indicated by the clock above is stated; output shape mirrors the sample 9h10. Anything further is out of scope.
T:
11h01
